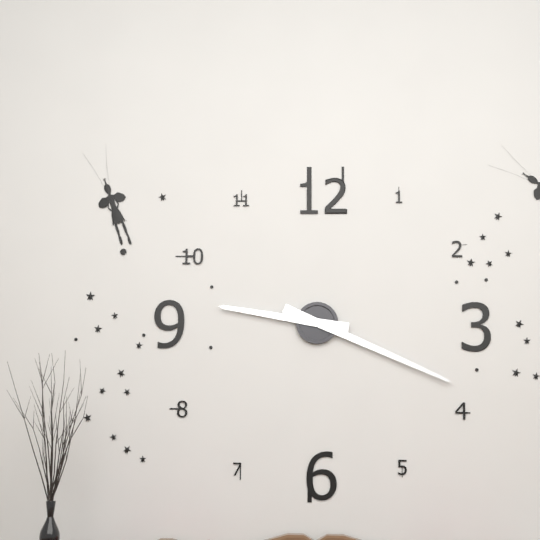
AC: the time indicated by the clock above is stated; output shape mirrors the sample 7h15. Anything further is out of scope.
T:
9h19
